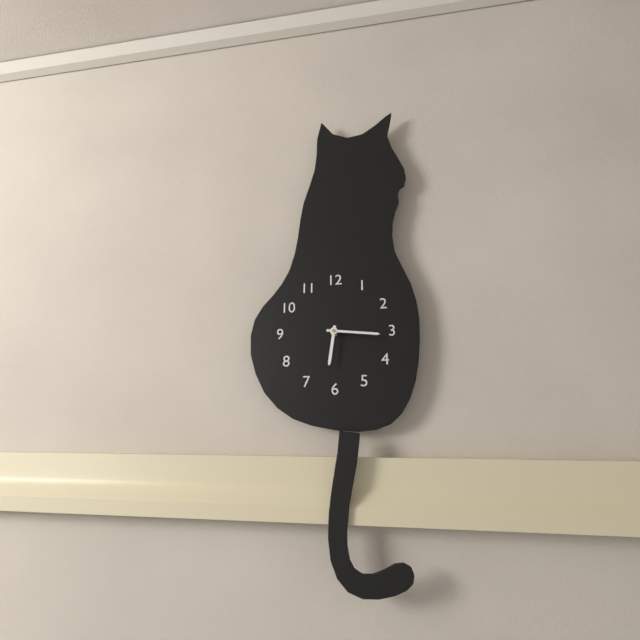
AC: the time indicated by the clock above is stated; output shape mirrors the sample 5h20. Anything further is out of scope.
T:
6h16
